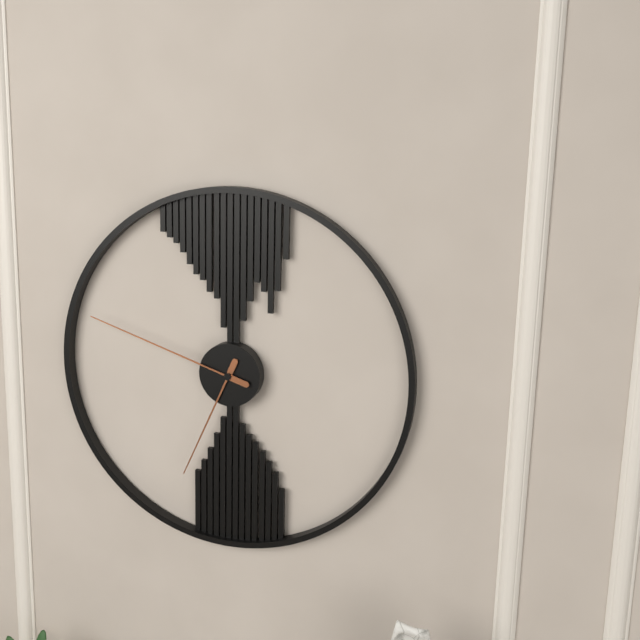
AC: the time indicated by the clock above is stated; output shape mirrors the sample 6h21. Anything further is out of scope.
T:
6h48
